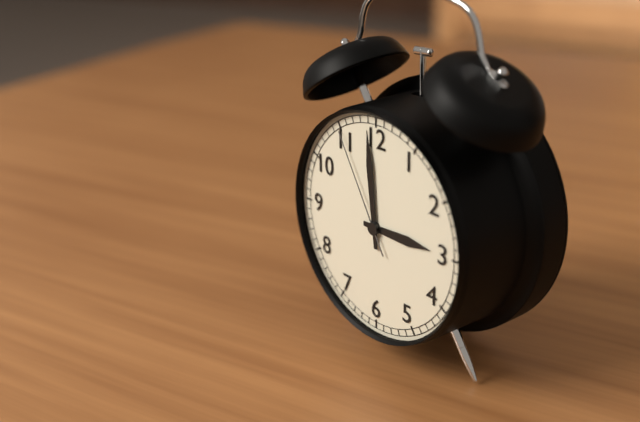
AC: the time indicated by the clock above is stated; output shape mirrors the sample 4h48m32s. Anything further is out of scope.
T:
2h59m55s
